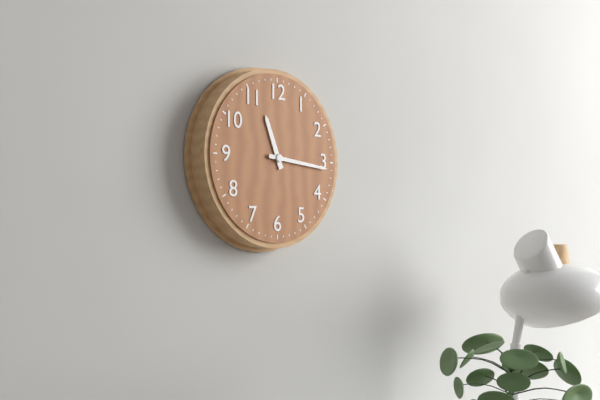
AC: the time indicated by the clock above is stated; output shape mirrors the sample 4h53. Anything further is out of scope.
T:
11h16
